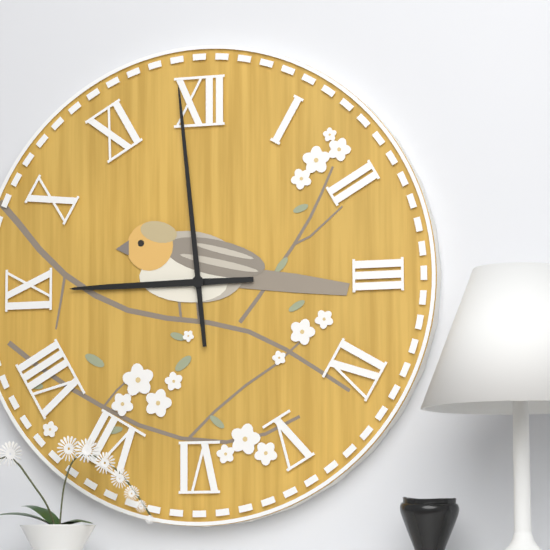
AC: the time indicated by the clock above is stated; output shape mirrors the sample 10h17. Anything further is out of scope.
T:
8h59
